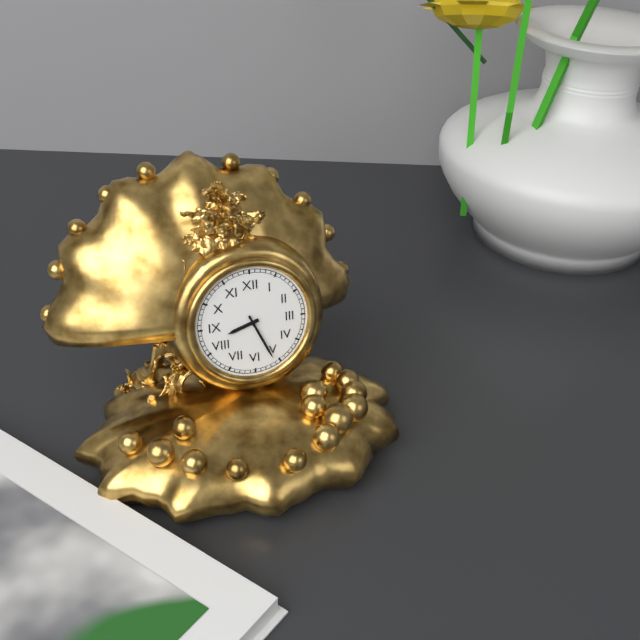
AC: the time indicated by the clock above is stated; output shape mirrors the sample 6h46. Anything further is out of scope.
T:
8h26
